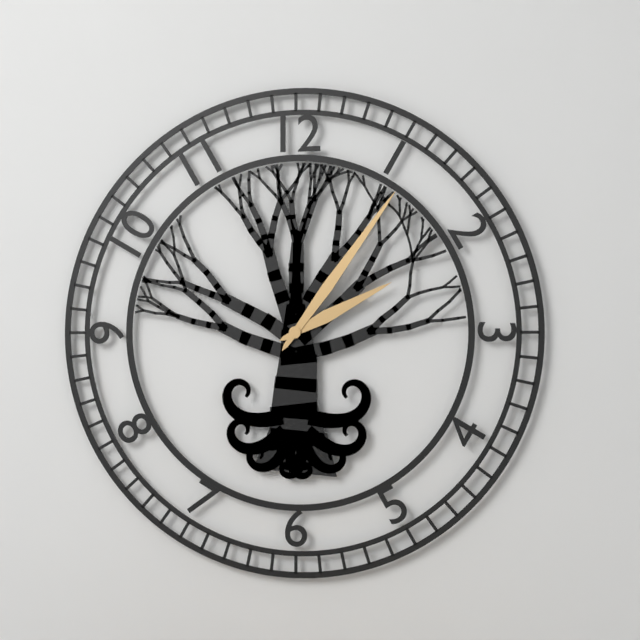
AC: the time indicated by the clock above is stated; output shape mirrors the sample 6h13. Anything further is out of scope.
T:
2h06
